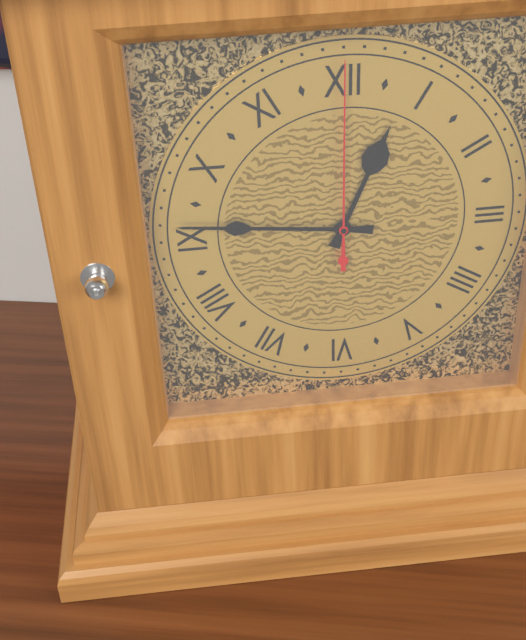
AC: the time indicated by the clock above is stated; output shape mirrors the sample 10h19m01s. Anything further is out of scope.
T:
12h46m00s
